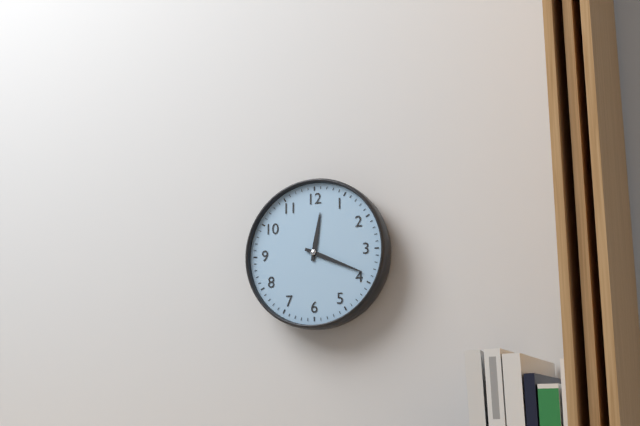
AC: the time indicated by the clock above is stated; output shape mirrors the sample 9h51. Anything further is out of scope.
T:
12h19
